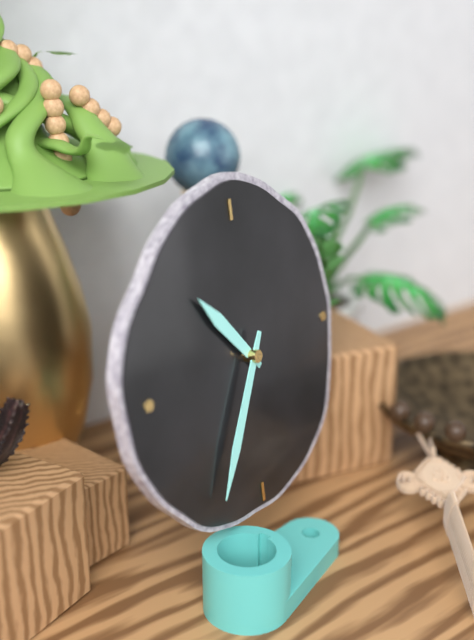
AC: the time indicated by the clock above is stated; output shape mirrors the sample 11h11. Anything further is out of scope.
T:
10h35
